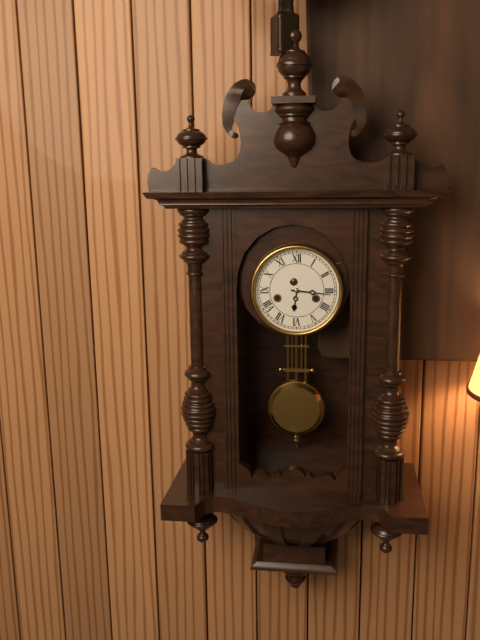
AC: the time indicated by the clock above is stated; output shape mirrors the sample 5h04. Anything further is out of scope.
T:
6h16
